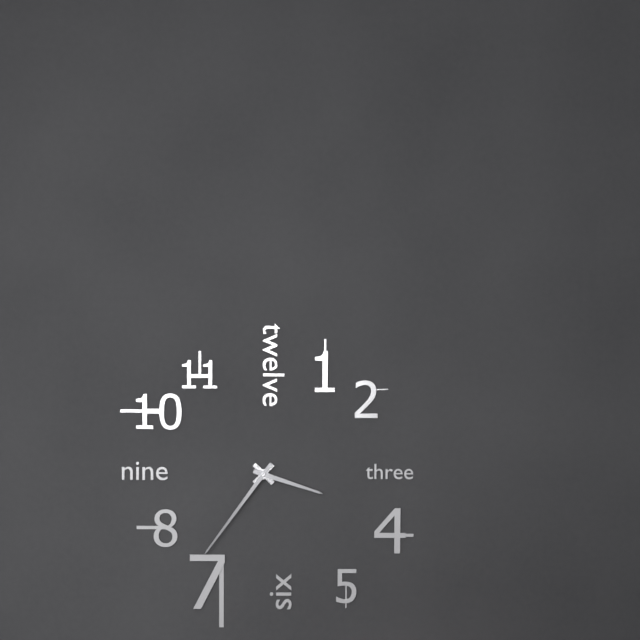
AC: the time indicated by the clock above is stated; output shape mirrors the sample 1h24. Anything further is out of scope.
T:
3h36
